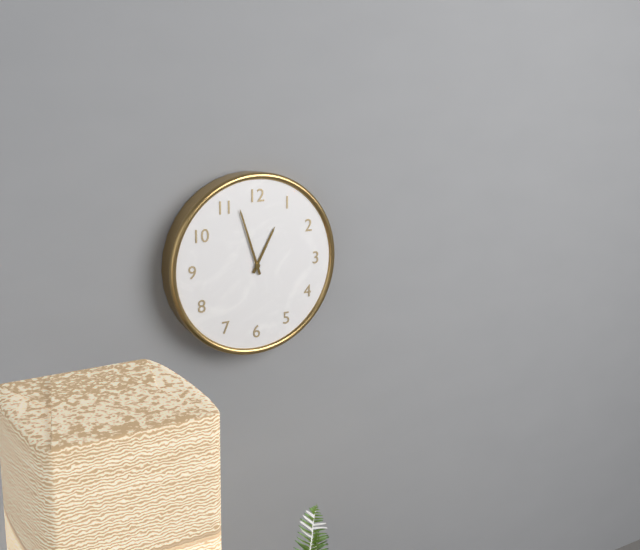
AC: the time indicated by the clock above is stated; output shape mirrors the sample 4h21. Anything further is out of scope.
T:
12h57
